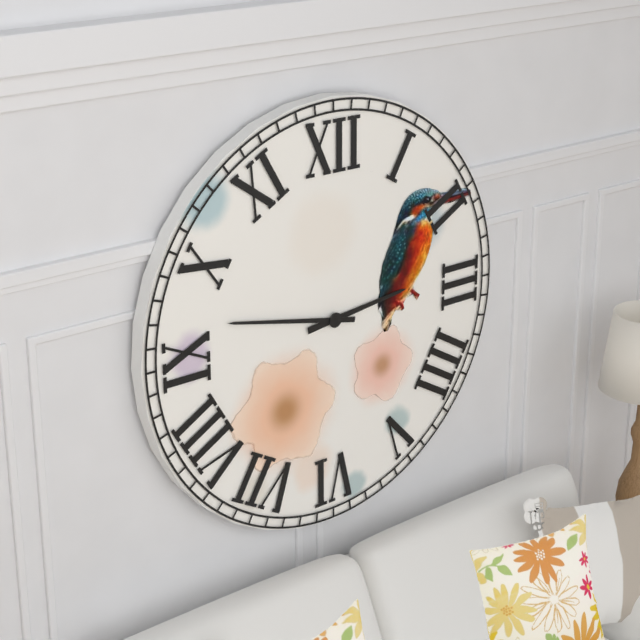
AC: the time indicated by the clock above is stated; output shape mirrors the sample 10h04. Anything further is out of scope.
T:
2h47
